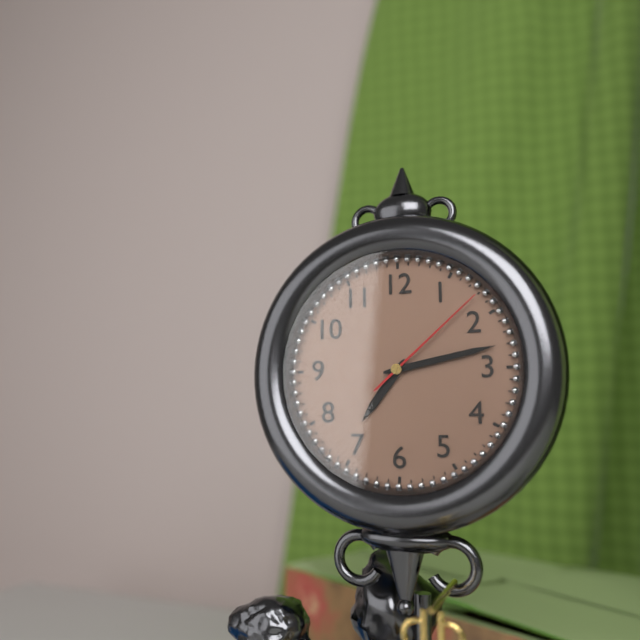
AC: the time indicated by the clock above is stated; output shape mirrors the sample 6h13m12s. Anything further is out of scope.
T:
7h13m08s
